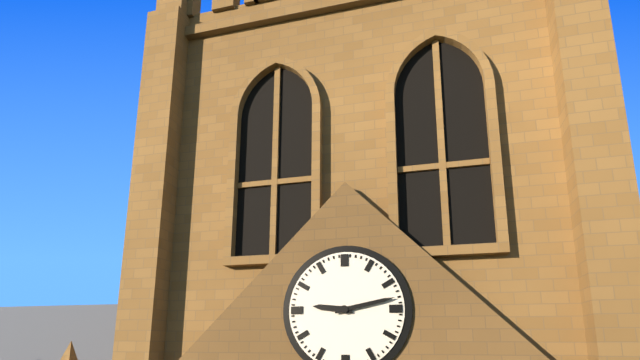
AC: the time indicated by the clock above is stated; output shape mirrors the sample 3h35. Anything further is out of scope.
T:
9h13
